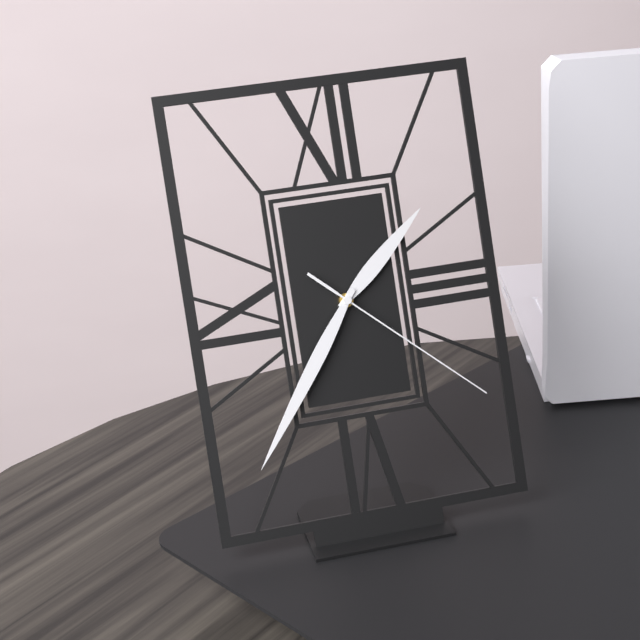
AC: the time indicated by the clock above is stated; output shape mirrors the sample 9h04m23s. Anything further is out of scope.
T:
1h36m22s
